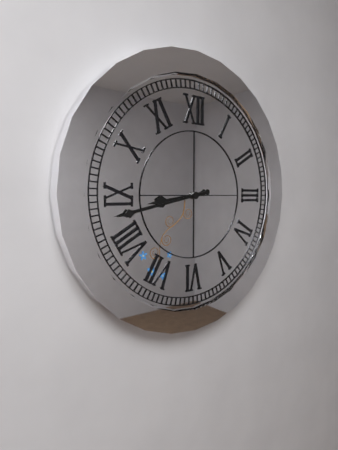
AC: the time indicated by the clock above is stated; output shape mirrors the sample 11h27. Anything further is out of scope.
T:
8h43
